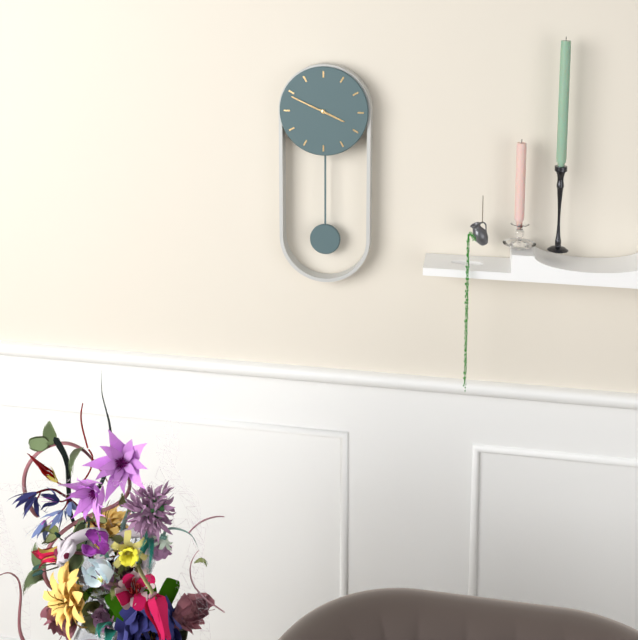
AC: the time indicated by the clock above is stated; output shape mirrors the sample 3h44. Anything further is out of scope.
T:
3h49
